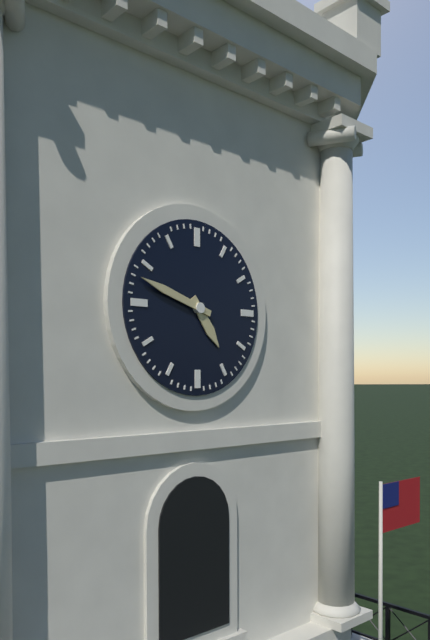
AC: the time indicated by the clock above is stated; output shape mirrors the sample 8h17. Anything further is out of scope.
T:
4h48
